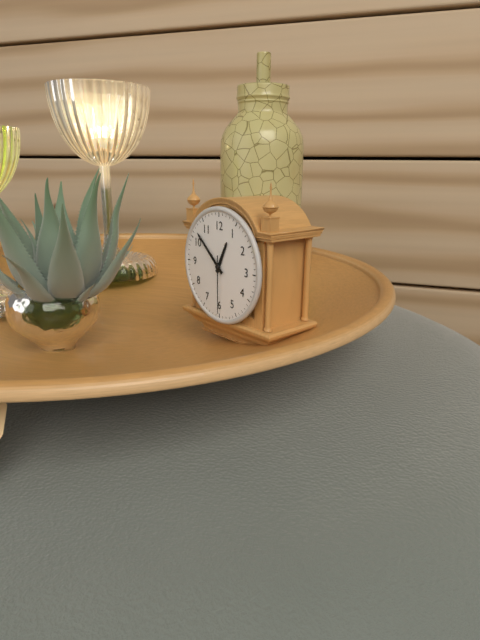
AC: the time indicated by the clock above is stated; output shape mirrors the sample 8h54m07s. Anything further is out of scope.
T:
12h52m30s
